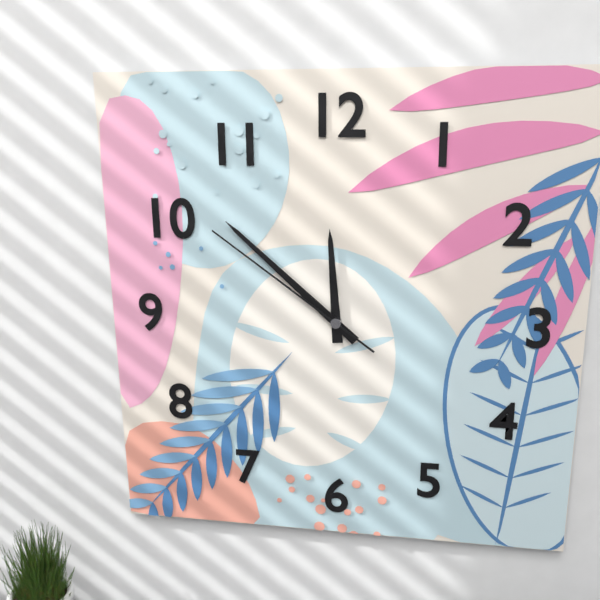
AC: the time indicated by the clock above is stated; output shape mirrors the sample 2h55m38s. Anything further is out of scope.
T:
11h52m51s
